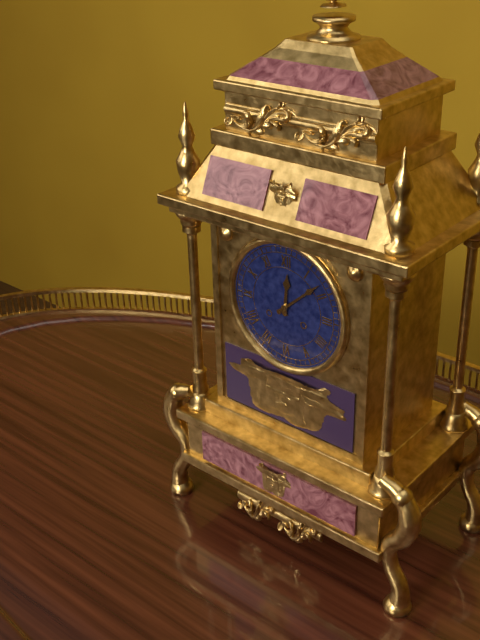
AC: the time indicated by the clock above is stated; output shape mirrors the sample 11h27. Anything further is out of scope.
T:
12h08
